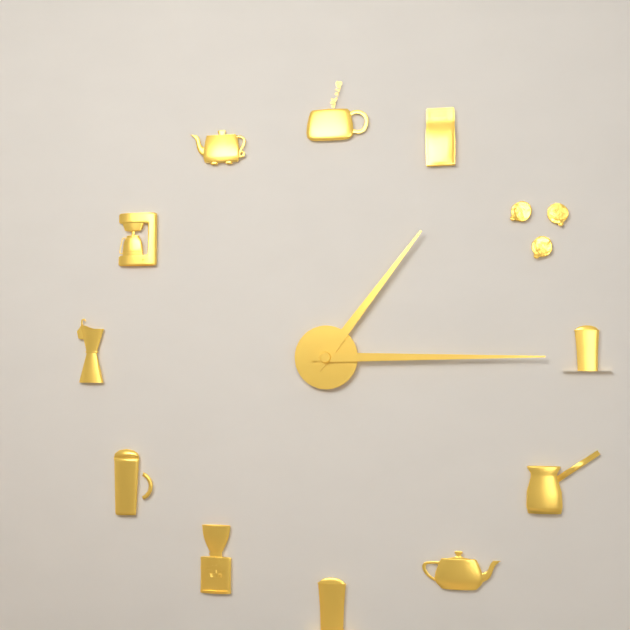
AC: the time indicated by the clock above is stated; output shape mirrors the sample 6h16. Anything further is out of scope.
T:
1h15
